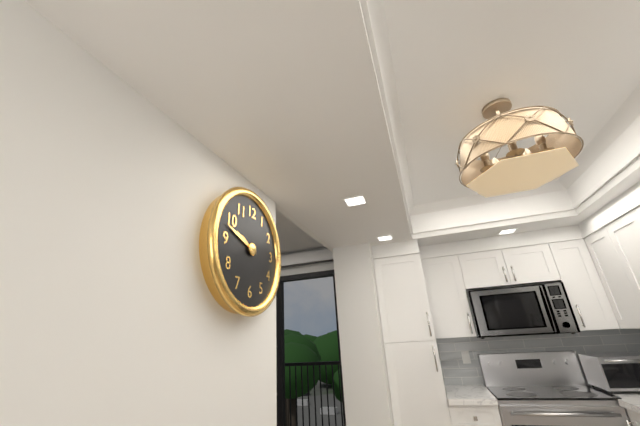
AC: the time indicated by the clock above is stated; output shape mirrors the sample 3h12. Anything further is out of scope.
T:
9h48
